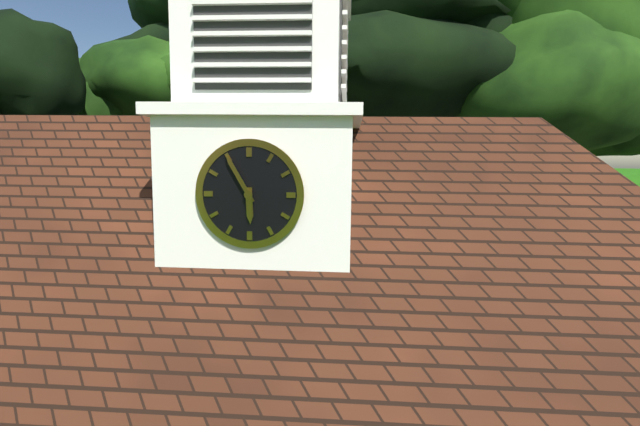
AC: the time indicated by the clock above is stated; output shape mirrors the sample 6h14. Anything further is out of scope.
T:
5h55
